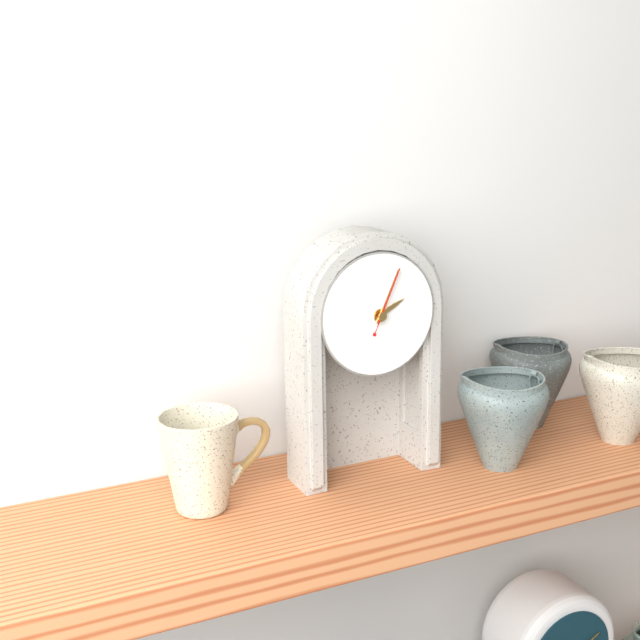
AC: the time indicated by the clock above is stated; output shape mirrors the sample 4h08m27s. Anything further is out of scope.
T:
2h04m04s
